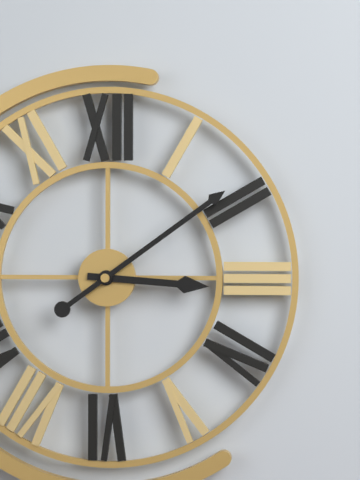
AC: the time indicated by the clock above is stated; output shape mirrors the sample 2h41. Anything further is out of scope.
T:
3h09
